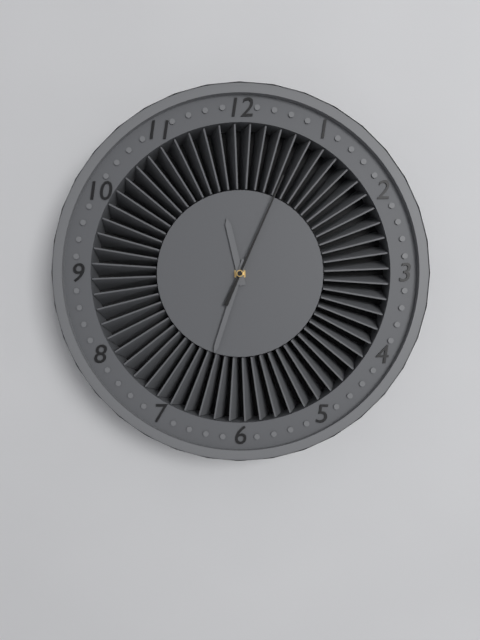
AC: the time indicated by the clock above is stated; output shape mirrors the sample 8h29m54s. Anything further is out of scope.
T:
11h33m04s
